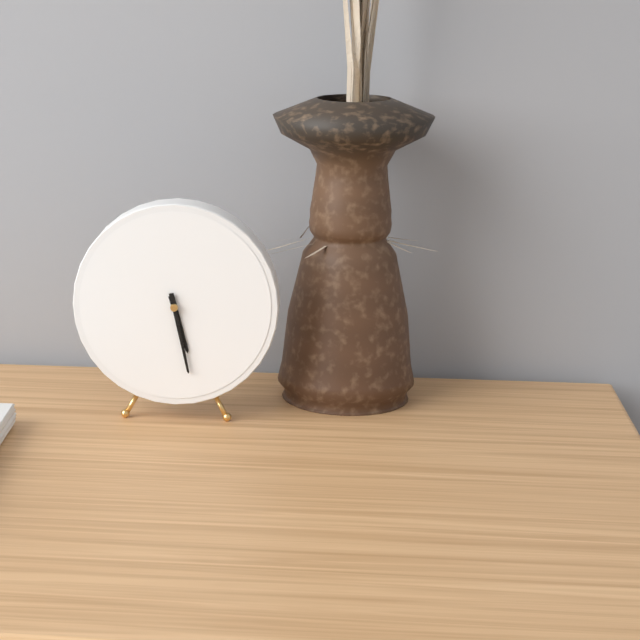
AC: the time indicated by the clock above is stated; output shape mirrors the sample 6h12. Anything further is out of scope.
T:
5h28
